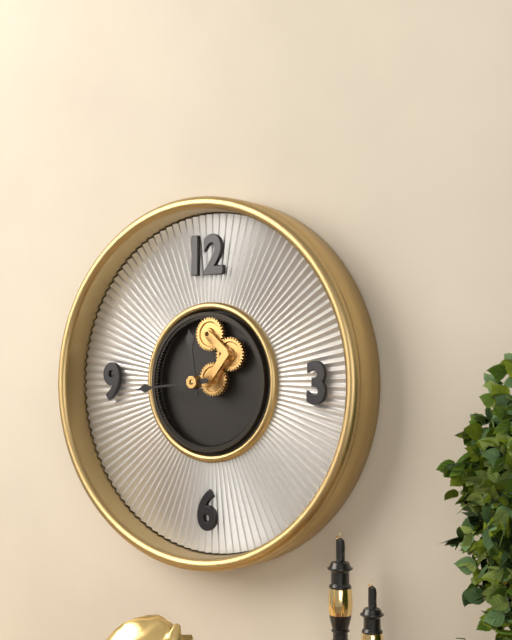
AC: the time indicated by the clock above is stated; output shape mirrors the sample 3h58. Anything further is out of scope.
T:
11h44
